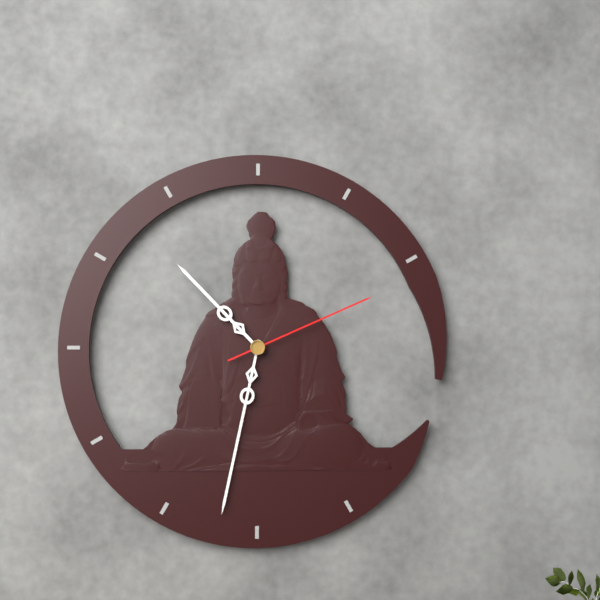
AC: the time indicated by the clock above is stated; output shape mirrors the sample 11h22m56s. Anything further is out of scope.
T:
10h32m11s
